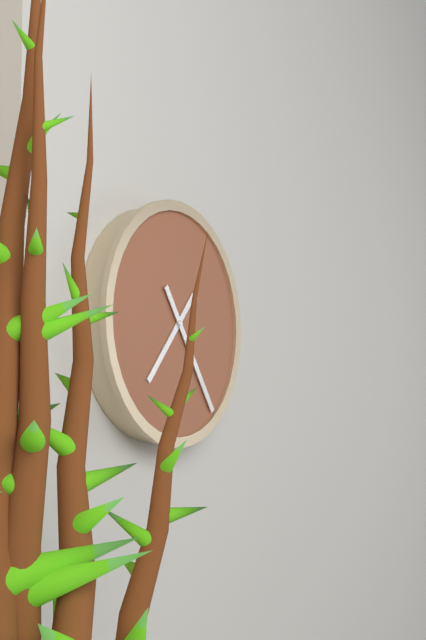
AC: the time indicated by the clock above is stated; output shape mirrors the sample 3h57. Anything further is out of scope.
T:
7h24
